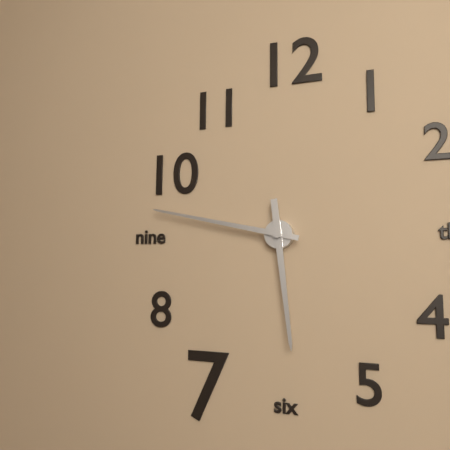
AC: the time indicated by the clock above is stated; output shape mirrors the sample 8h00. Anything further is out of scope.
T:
5h47
